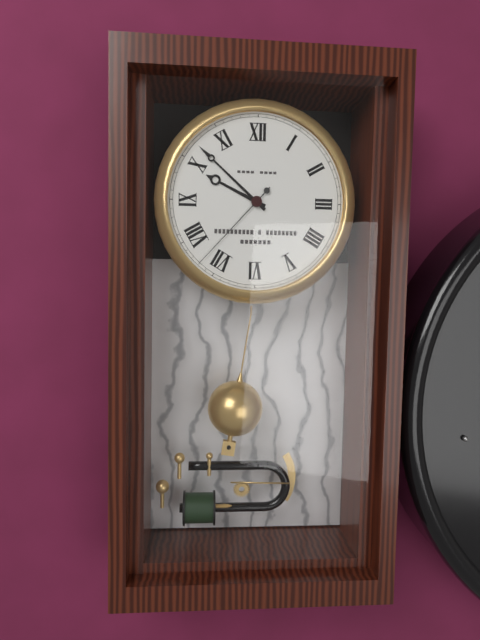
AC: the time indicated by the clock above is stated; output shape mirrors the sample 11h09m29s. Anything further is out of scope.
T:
9h52m37s
